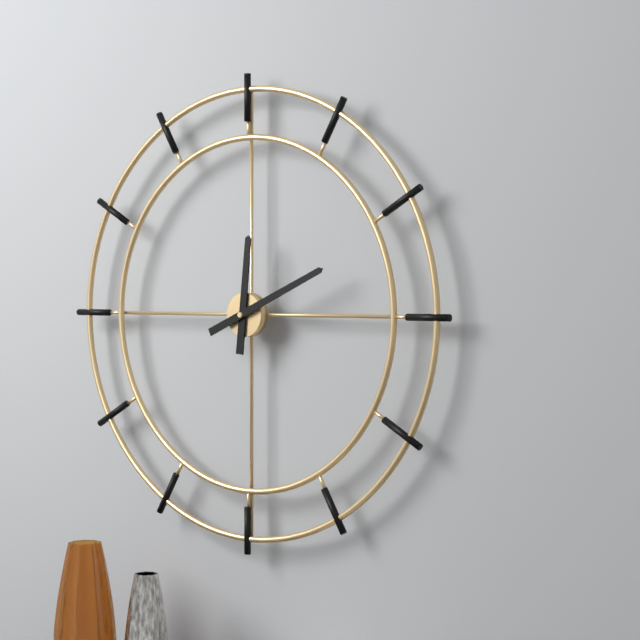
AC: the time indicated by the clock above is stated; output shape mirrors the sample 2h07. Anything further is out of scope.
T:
12h11
